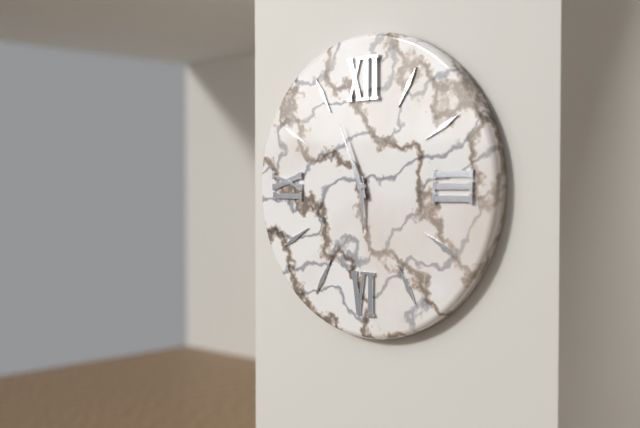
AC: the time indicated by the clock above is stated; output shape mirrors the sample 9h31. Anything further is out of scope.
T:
5h56
